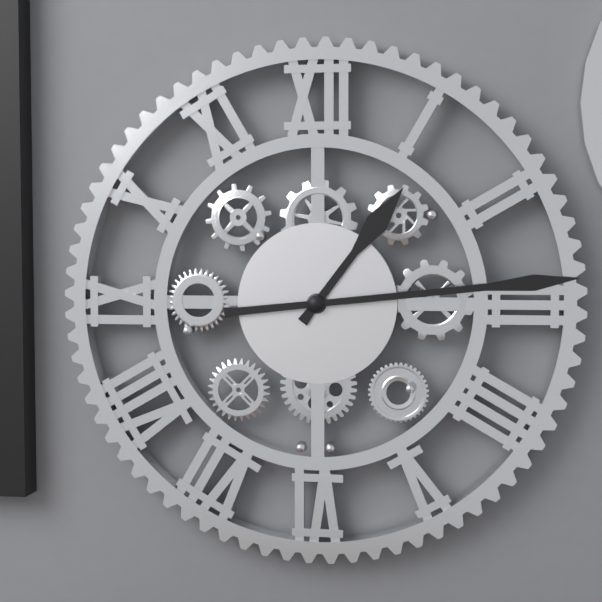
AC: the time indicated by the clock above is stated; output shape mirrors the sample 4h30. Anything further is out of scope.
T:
1h14
